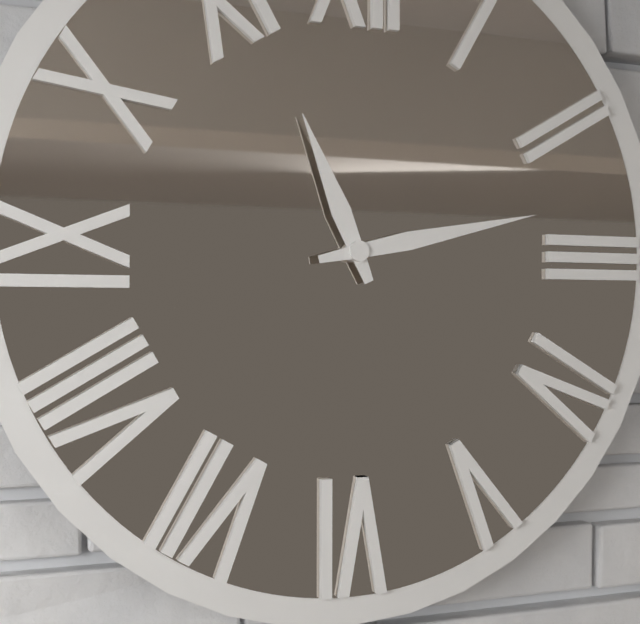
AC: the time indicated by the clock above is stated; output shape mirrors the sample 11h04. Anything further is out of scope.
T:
11h13
